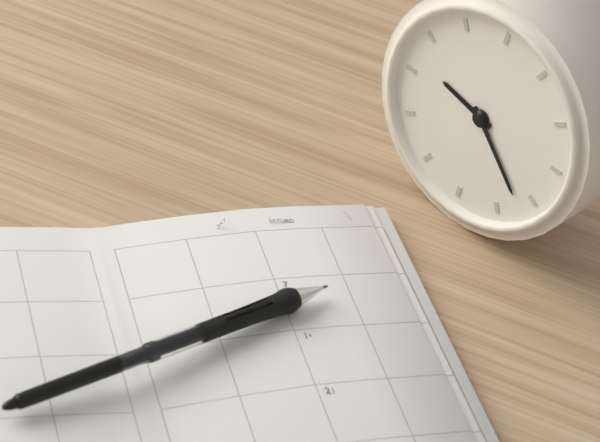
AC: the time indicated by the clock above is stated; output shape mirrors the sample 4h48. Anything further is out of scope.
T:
9h22
